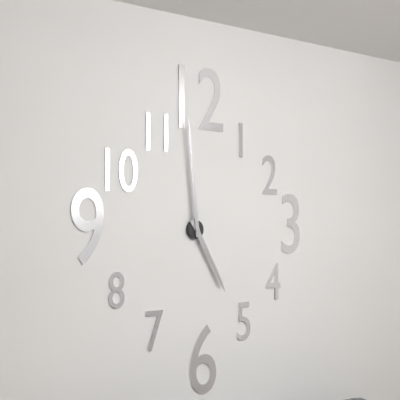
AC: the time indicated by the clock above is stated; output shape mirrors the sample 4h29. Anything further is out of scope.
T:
4h59
